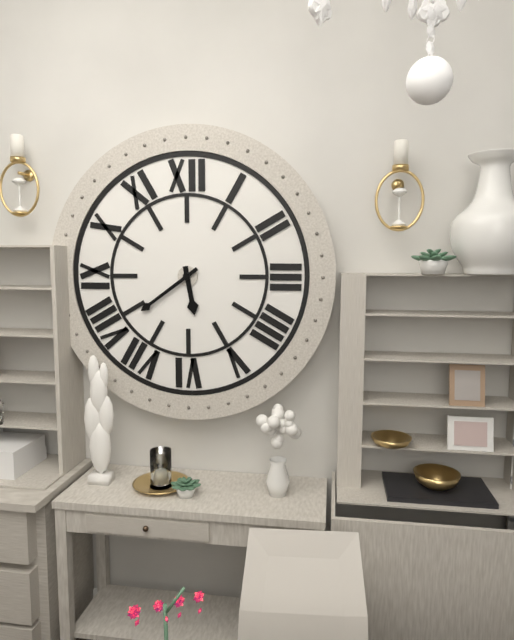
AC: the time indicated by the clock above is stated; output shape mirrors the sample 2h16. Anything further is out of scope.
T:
5h39
